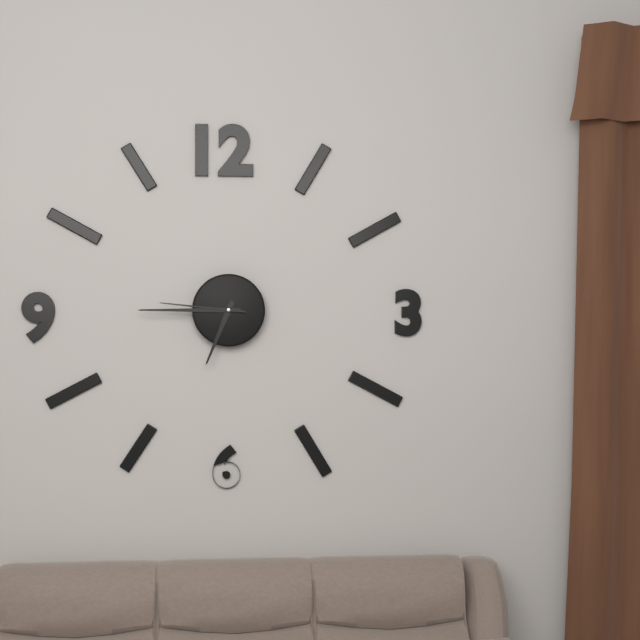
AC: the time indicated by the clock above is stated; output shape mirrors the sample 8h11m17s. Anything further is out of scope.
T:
6h45m46s
